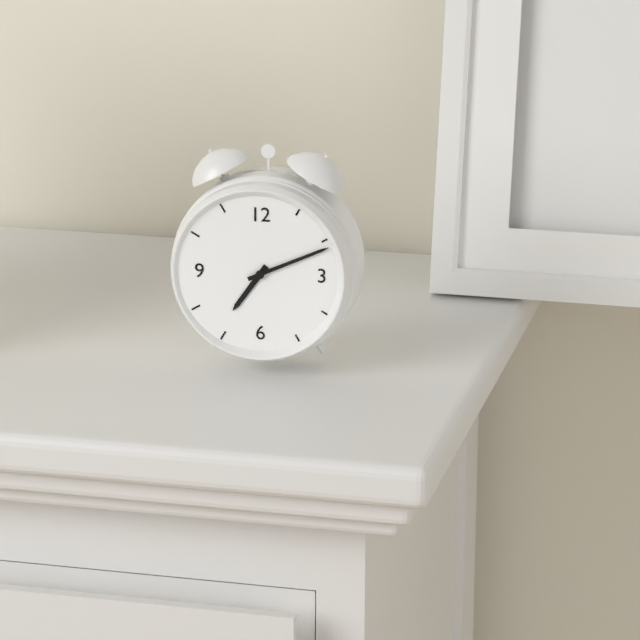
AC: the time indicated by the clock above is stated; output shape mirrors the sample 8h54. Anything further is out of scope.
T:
7h11
